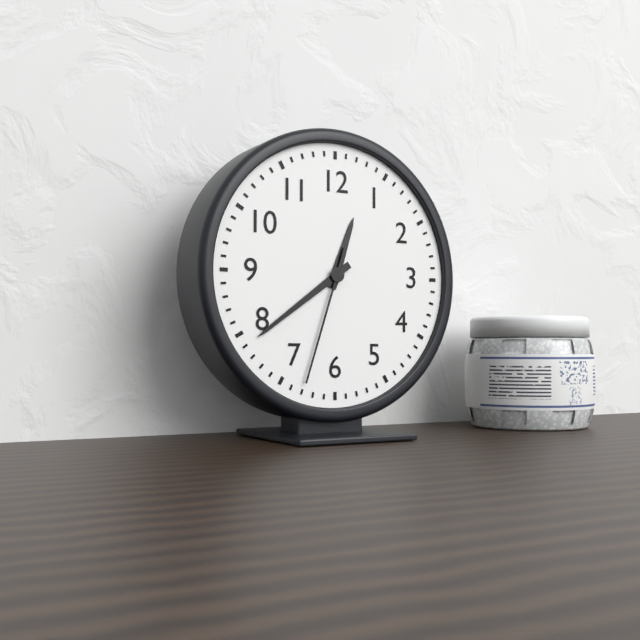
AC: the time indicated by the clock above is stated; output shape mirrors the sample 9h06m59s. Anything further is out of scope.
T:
12h39m33s
